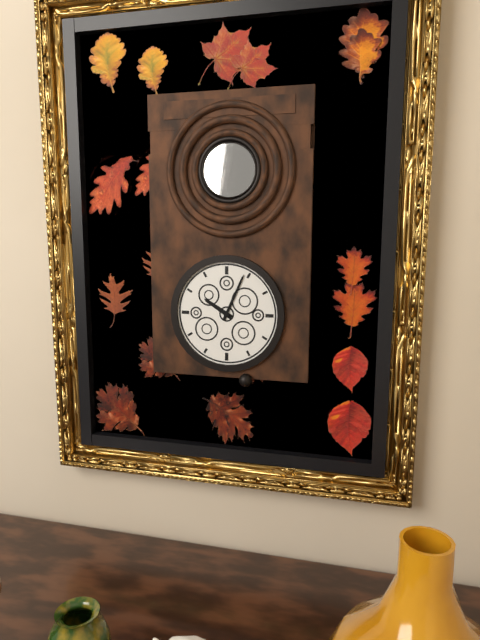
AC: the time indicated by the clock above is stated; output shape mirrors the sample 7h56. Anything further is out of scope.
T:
10h04
